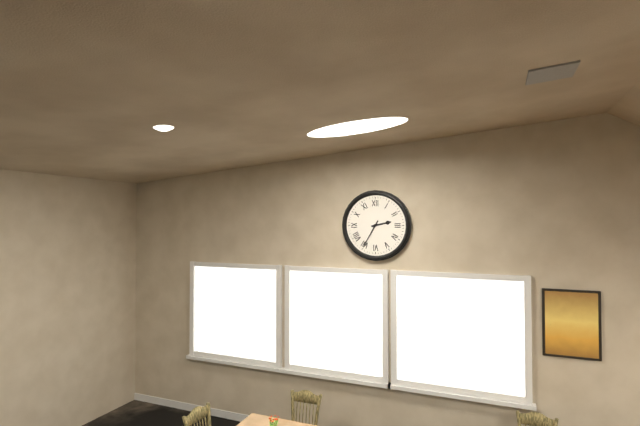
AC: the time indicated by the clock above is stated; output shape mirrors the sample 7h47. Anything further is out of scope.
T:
2h35
